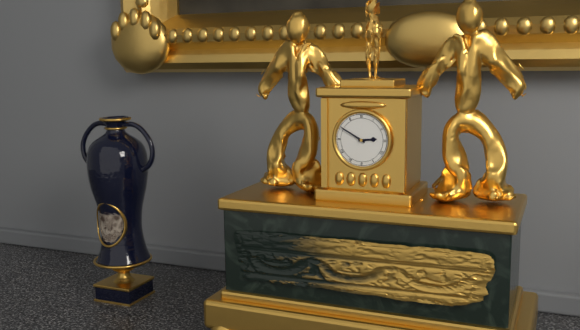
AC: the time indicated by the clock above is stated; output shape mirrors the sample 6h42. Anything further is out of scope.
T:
2h50
